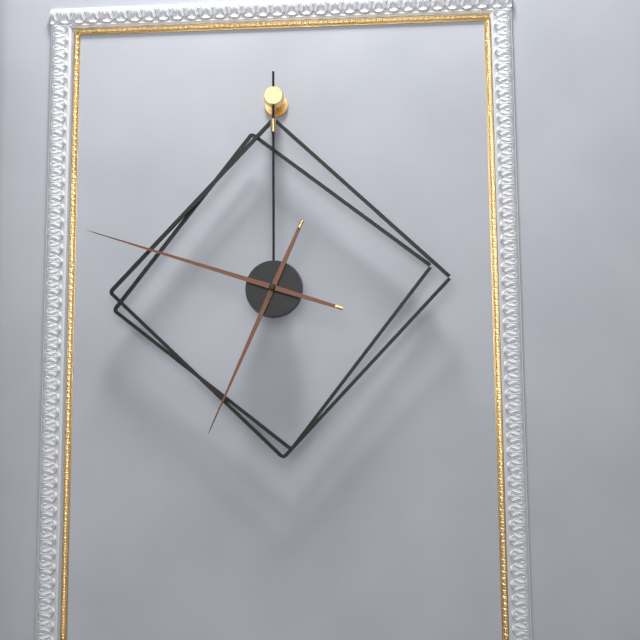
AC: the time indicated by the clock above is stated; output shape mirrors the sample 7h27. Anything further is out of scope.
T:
6h48
